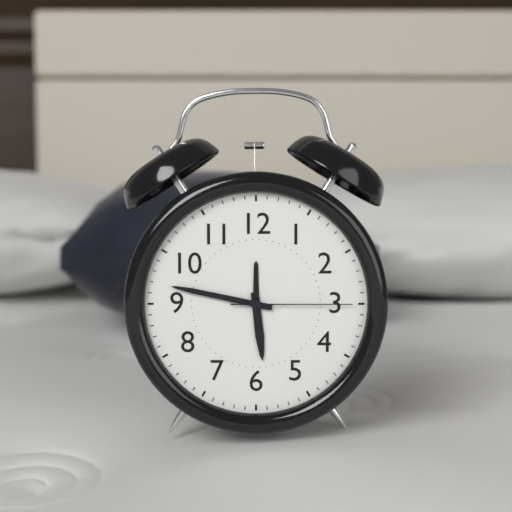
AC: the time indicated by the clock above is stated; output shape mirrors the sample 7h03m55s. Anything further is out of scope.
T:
5h47m15s
